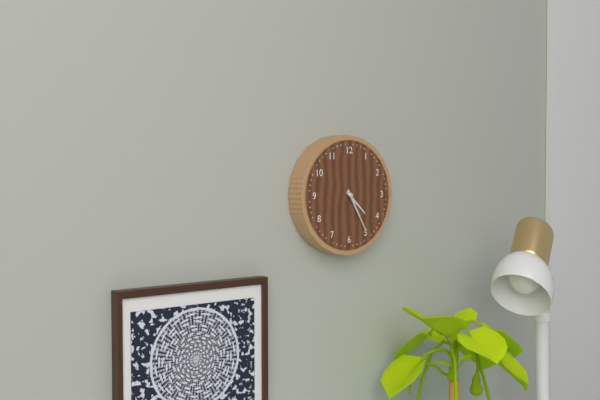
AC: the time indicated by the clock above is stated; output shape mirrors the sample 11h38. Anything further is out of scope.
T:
4h25
